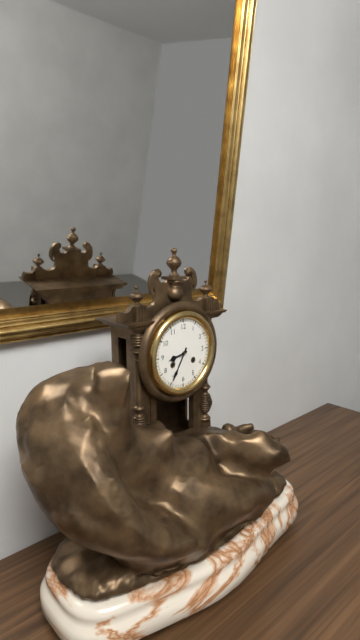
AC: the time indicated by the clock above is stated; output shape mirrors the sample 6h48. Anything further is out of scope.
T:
8h35
